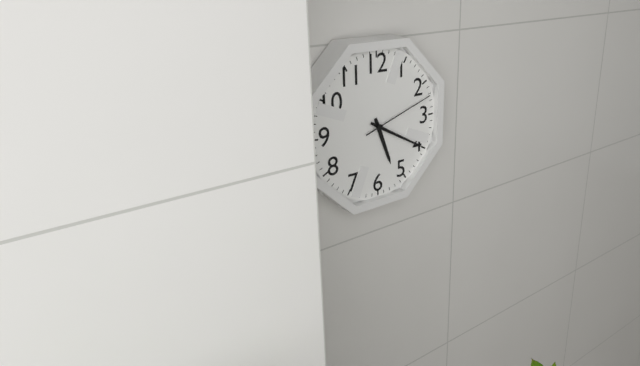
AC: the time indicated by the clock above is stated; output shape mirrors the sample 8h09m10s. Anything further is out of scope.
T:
5h20m12s
